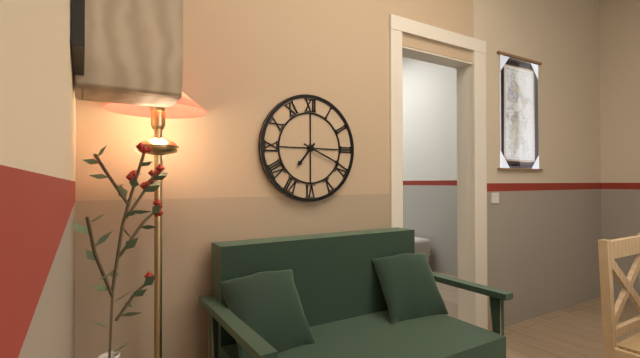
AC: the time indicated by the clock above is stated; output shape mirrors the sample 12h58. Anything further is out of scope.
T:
7h19
